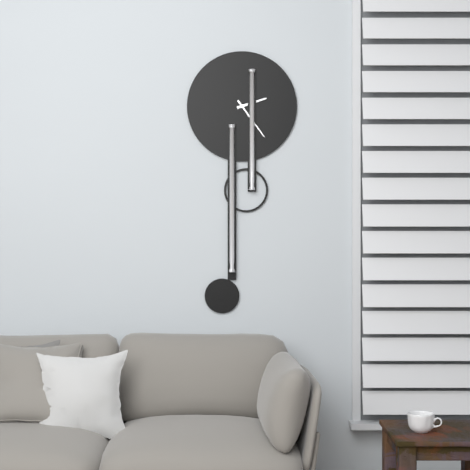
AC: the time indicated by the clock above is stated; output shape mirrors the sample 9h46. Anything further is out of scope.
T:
2h24
